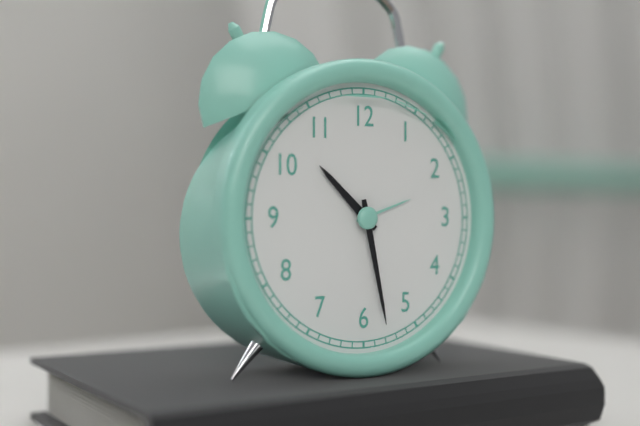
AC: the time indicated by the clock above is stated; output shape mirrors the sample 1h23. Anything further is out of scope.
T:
10h28
